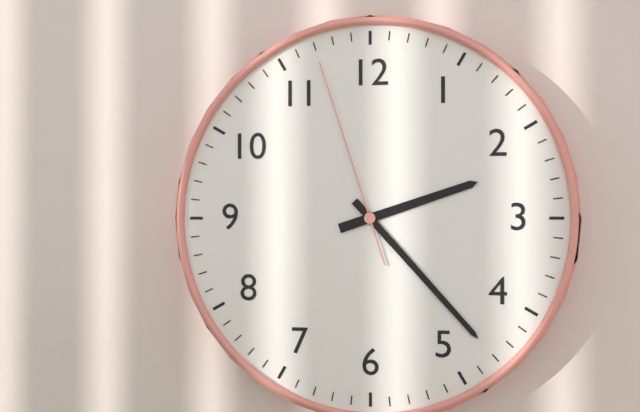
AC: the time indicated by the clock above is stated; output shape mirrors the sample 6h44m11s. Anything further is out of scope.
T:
2h23m57s
